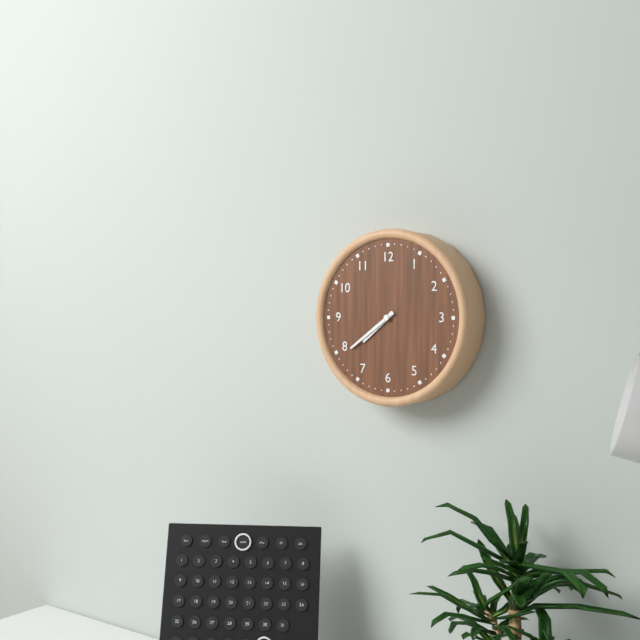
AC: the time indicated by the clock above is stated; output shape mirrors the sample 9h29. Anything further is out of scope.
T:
7h39
